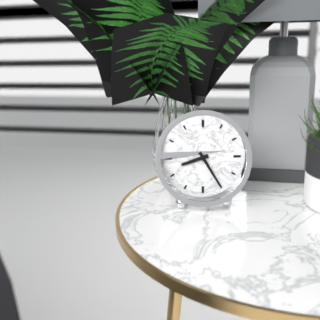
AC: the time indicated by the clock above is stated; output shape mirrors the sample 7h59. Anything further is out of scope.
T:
8h25
